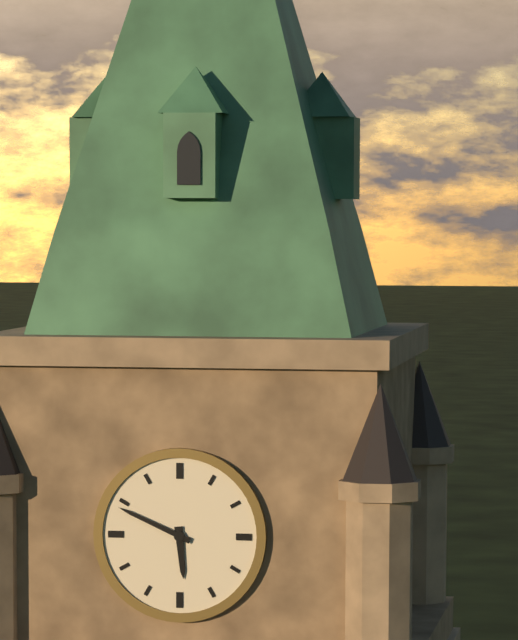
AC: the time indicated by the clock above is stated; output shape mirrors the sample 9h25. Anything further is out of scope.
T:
5h49
